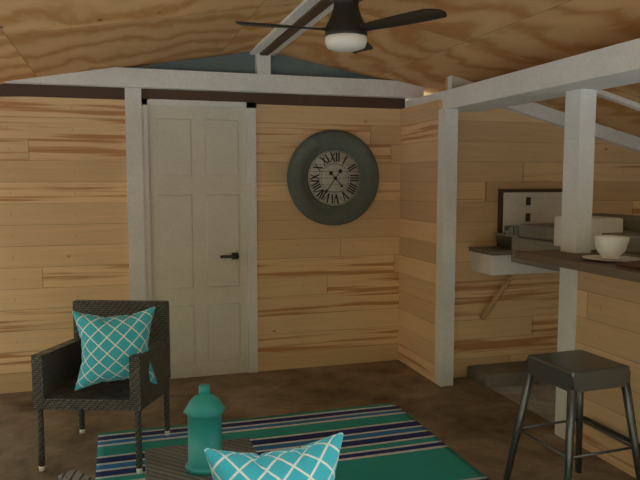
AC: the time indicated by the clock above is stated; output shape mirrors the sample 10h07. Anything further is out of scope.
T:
4h36
